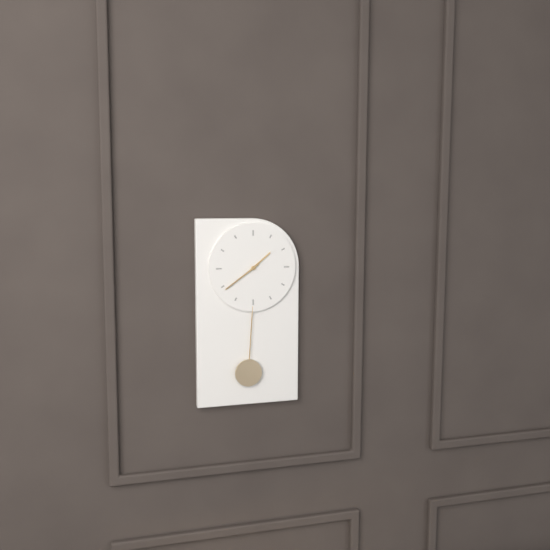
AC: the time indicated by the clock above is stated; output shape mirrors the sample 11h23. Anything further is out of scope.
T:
1h39
